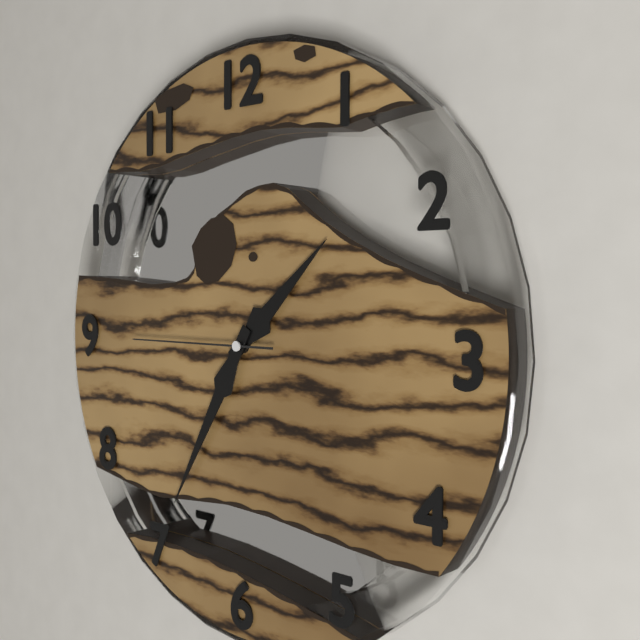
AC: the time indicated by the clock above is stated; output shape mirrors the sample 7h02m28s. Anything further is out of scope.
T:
1h35m45s
